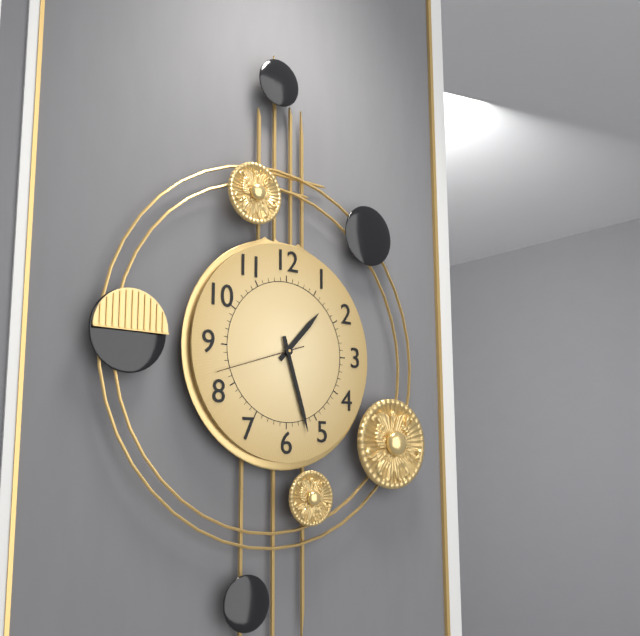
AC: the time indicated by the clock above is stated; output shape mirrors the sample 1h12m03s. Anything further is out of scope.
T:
1h27m42s
